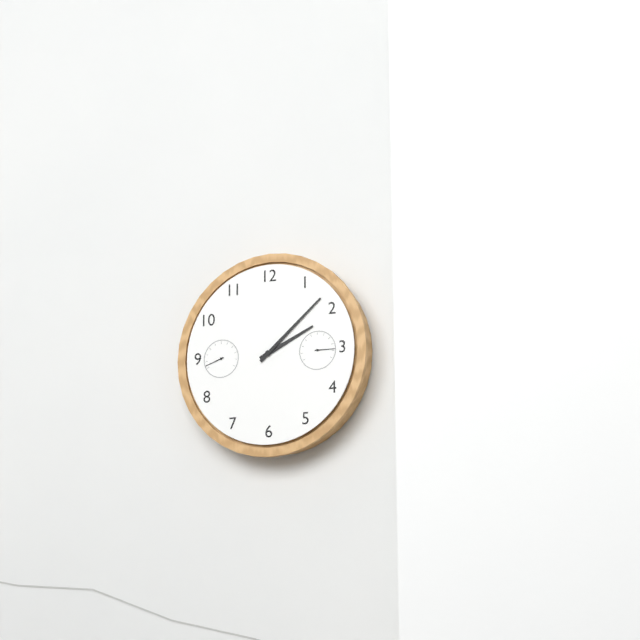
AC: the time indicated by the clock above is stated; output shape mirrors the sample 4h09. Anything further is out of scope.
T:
2h08
